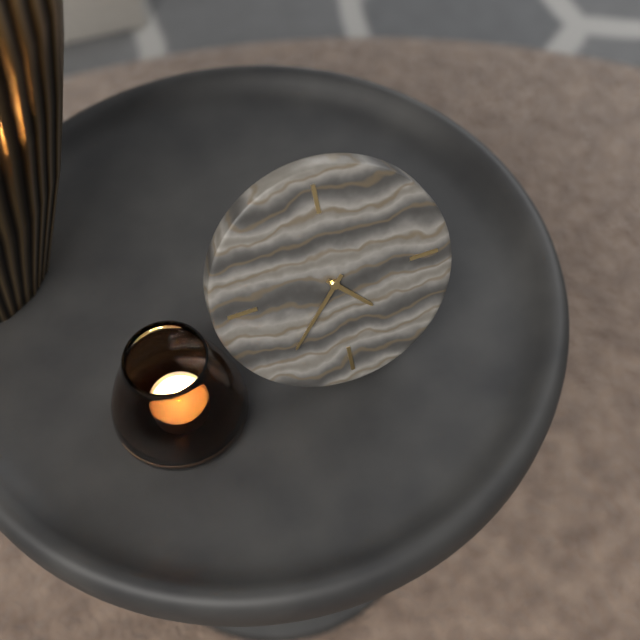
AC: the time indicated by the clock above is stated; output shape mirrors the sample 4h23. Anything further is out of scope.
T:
4h37
